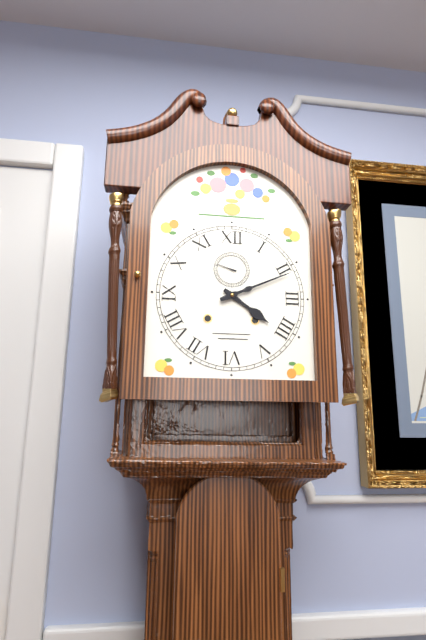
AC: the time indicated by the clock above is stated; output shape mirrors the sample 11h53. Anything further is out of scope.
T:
4h11
